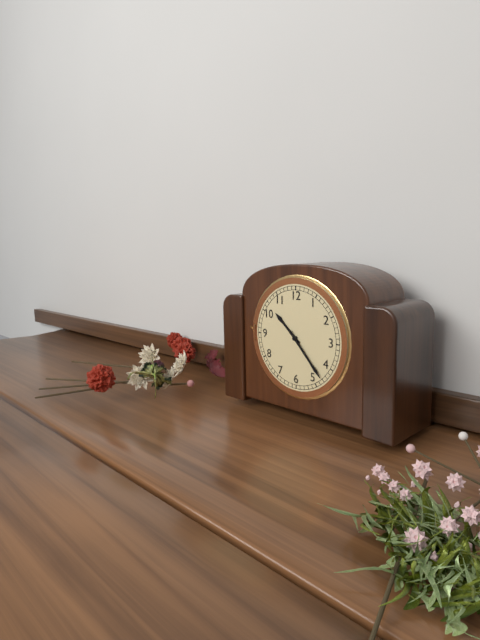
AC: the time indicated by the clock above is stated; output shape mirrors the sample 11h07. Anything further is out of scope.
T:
10h23
